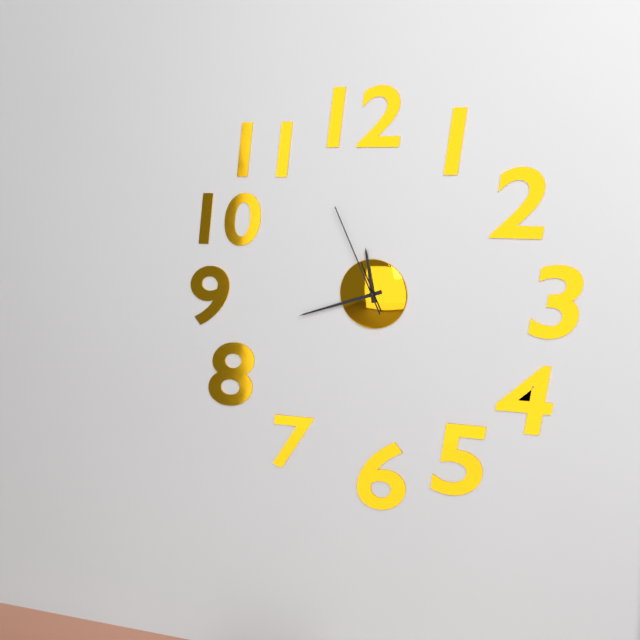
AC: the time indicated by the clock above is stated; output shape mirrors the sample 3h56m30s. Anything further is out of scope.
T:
11h42m56s
